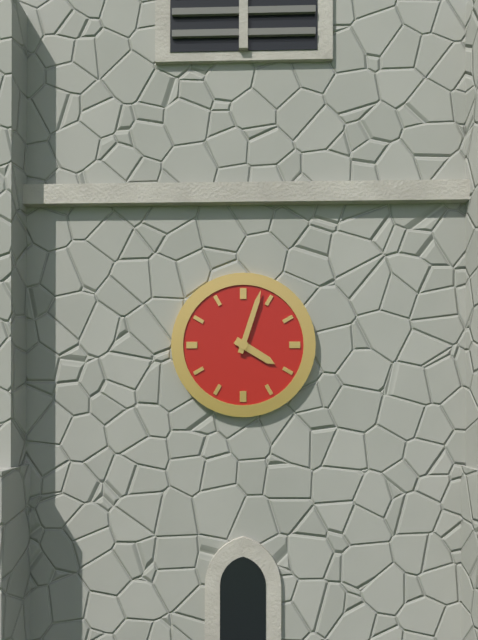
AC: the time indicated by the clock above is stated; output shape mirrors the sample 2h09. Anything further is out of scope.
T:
4h03
